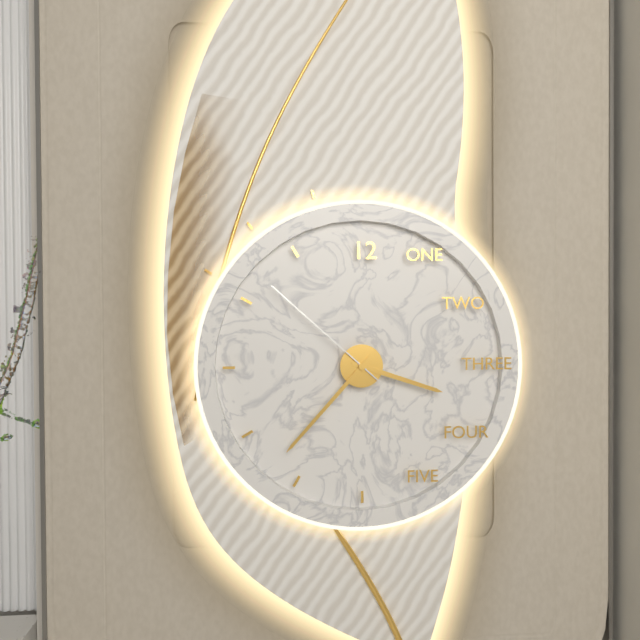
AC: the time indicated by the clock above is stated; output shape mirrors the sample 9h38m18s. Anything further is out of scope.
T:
3h37m52s
